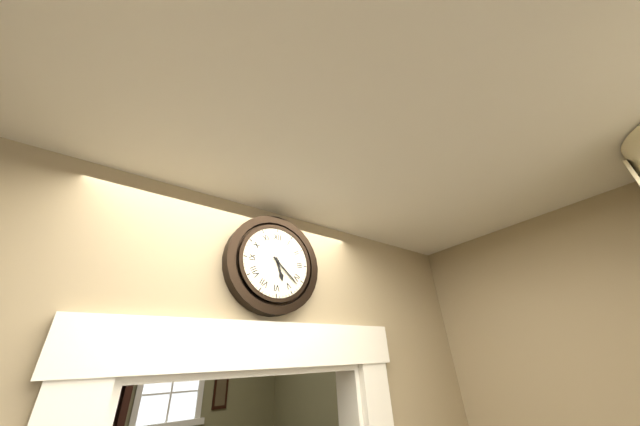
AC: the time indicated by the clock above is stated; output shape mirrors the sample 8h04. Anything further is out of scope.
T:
5h22
